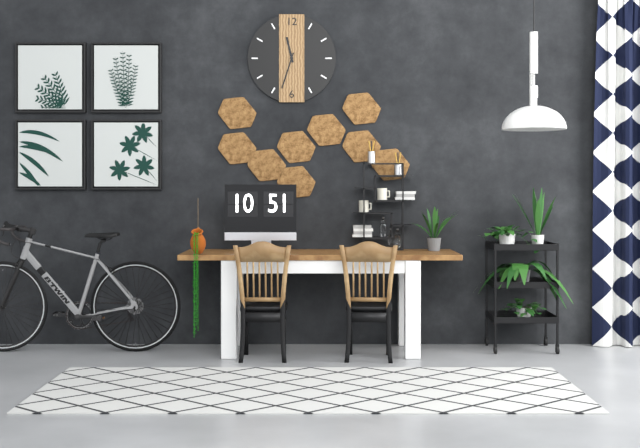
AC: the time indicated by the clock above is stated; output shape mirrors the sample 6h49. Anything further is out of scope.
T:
11h33
